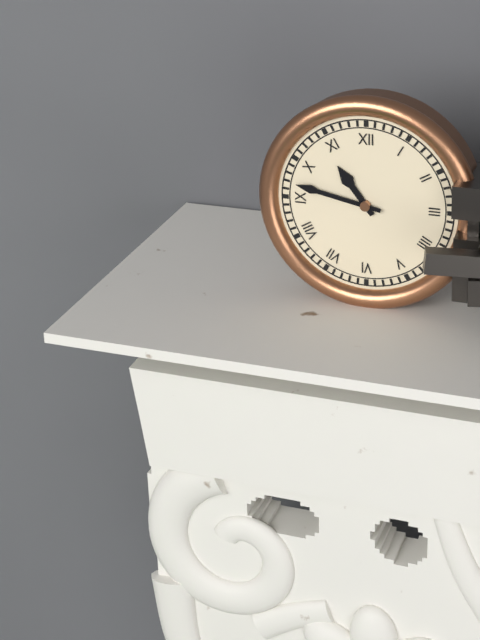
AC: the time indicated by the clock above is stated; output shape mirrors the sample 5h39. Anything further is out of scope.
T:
10h47
